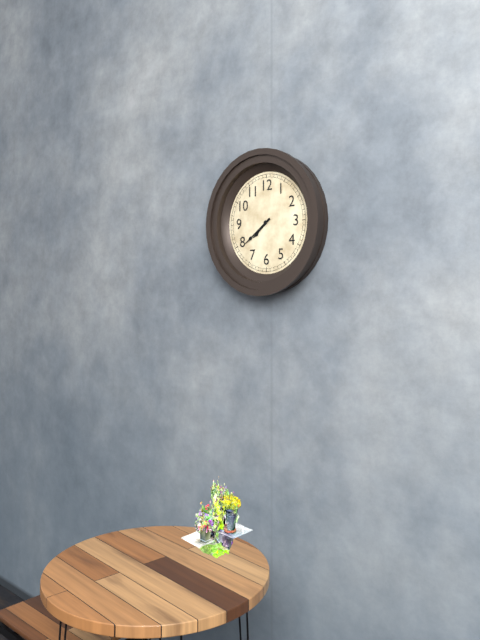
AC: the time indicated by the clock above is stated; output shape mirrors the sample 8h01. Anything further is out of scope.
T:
7h39
